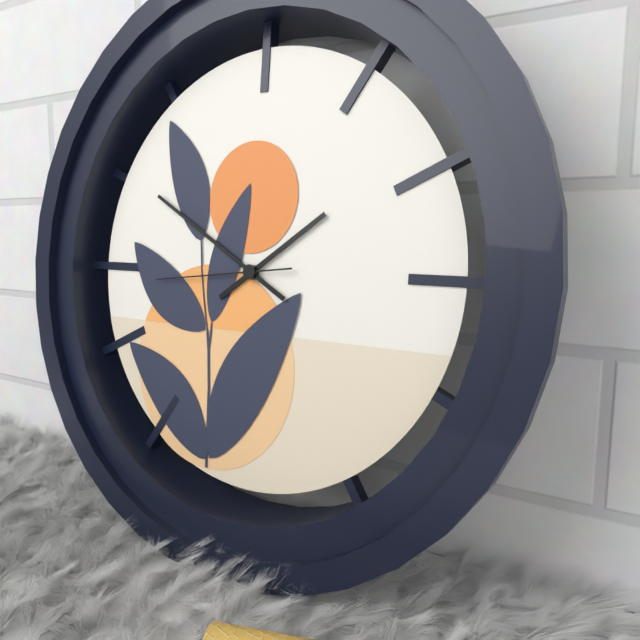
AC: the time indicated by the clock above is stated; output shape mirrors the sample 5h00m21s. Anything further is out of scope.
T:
1h50m44s
